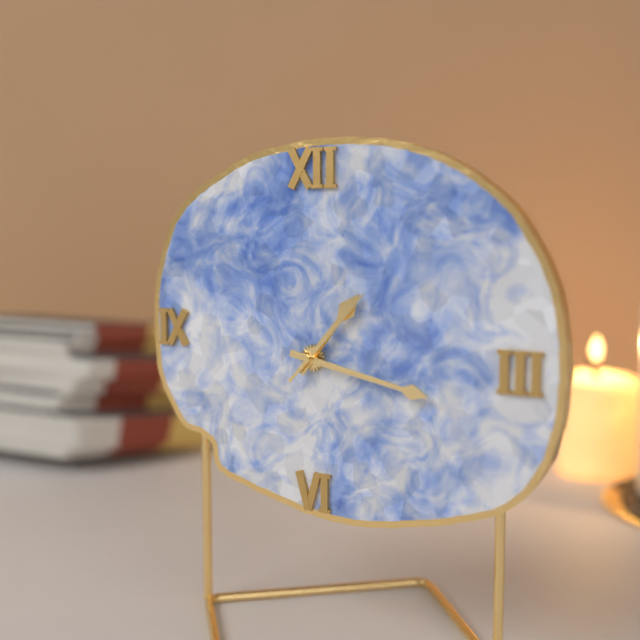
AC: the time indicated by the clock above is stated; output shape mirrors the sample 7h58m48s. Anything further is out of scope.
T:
1h17m07s
